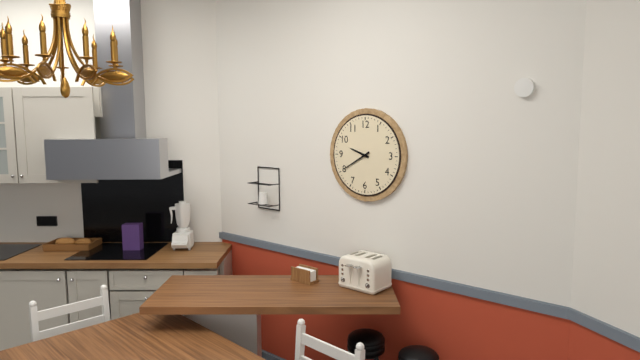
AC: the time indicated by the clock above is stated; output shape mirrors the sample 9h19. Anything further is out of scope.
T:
9h40
